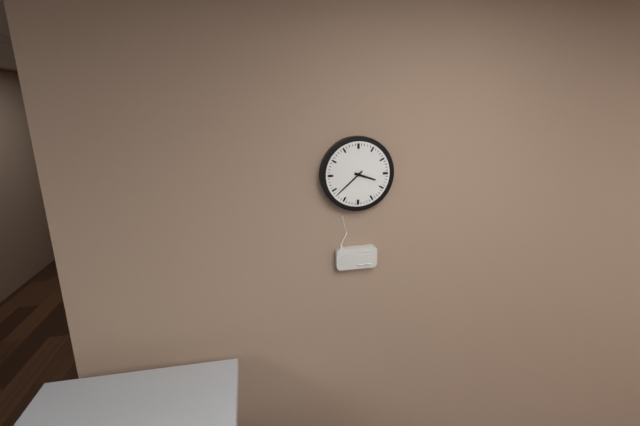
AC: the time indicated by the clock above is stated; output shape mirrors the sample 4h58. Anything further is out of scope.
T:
3h38
